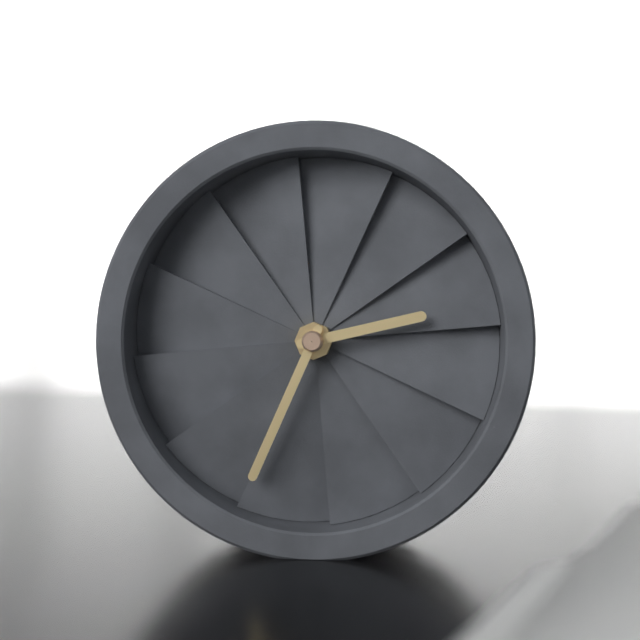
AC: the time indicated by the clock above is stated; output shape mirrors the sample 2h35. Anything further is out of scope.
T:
2h34
